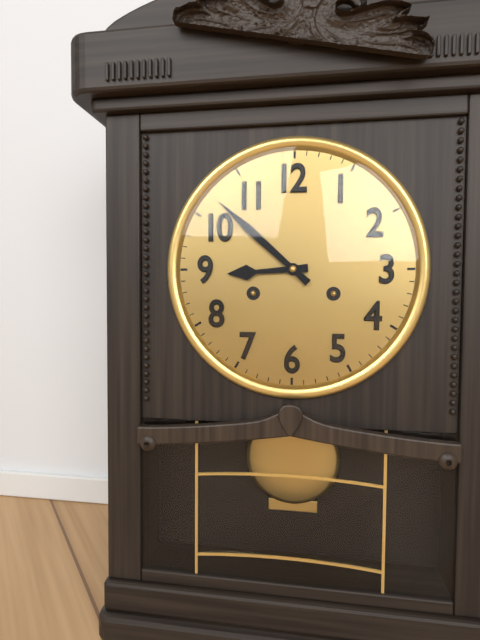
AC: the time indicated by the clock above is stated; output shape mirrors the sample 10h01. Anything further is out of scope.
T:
8h52
